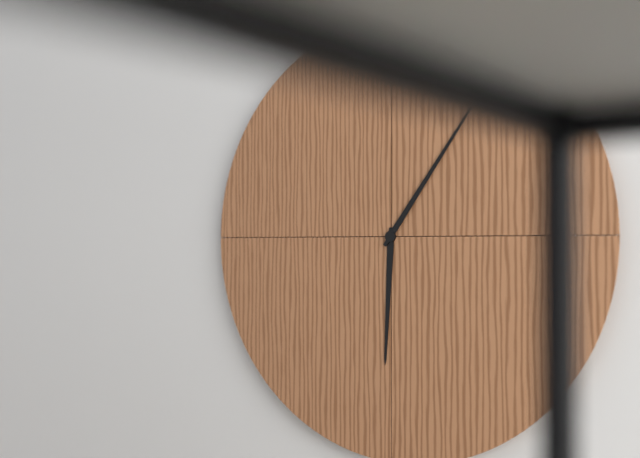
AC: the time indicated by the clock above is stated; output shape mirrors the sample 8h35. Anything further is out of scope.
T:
6h06
